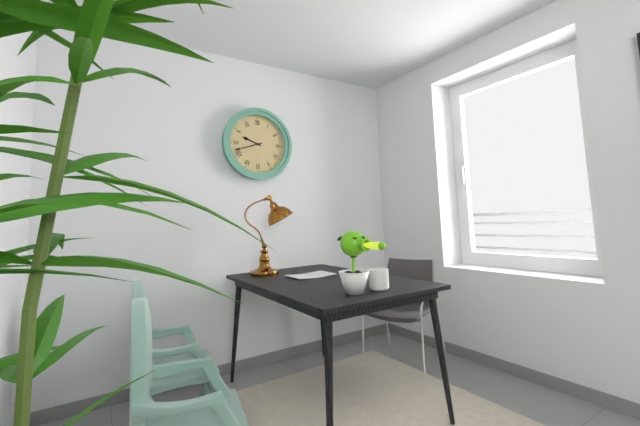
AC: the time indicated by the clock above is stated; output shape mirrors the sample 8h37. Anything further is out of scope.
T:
9h42
